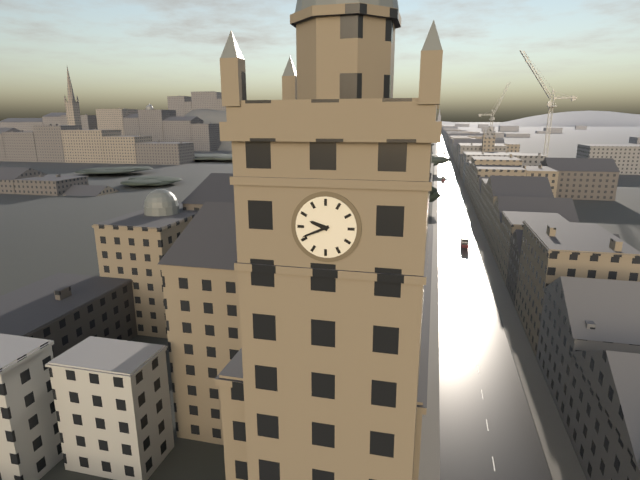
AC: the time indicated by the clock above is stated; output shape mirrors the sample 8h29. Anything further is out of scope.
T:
9h41
